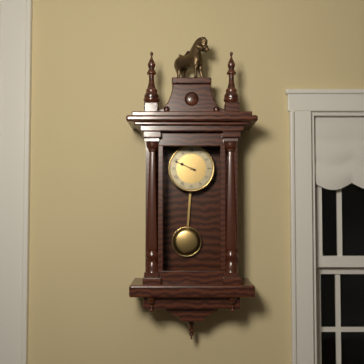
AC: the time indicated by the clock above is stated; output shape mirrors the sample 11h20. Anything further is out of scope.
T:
9h49
